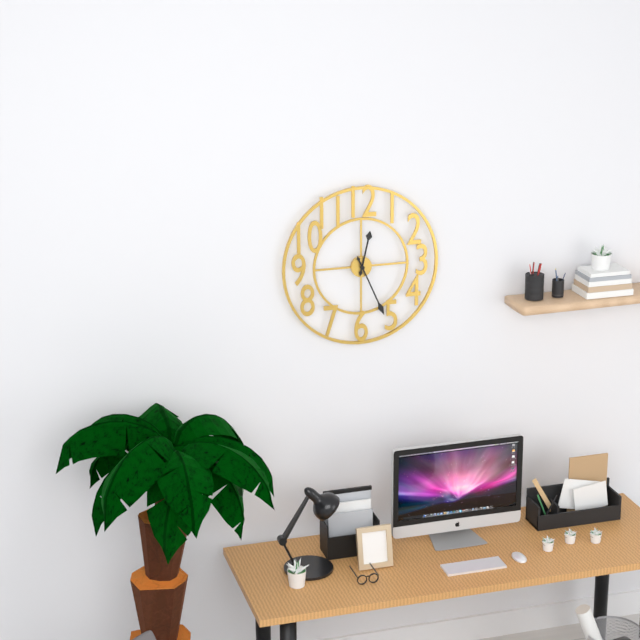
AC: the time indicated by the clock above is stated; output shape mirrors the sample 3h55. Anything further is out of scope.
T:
12h26
